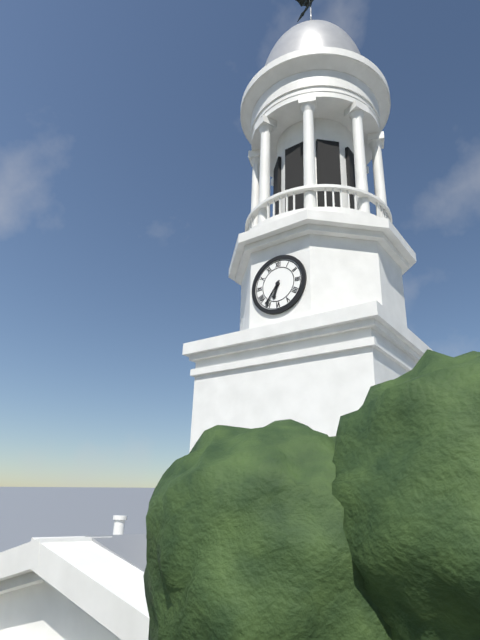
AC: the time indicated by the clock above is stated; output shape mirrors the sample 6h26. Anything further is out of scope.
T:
6h36
